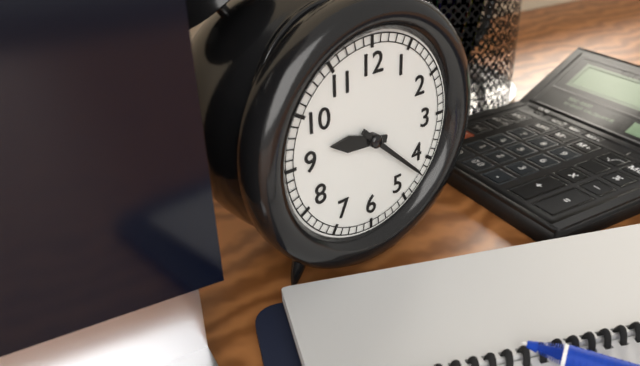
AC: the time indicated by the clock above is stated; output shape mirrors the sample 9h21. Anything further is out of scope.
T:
9h22
